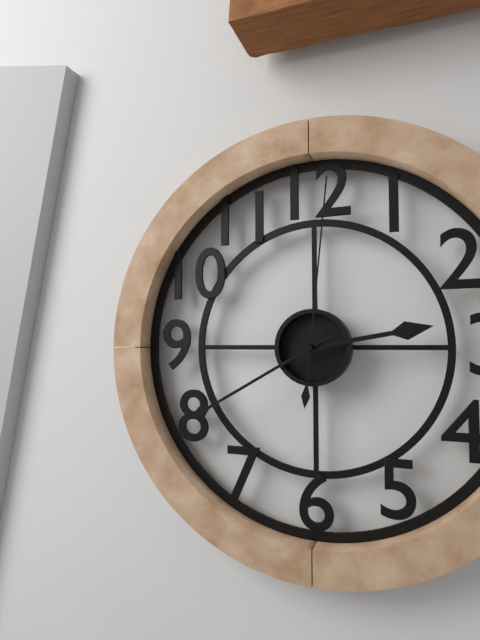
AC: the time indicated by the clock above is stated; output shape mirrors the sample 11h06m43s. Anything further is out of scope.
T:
2h40m01s
